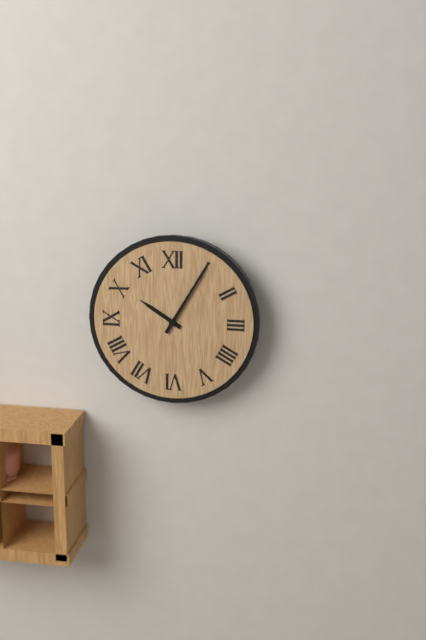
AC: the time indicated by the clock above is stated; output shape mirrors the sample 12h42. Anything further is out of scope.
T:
10h05
